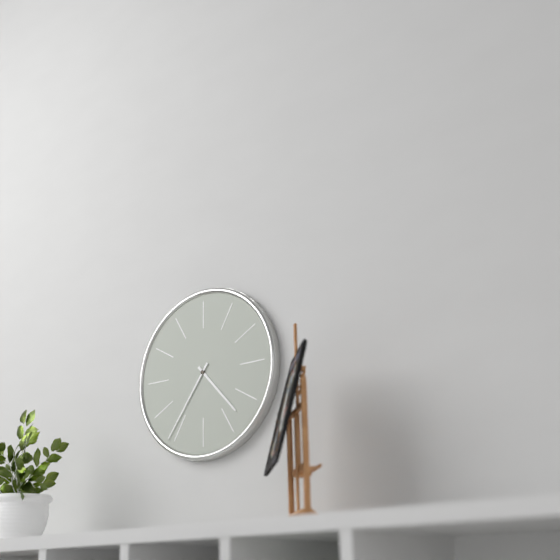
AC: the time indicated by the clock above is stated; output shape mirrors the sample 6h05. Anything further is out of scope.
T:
4h36
